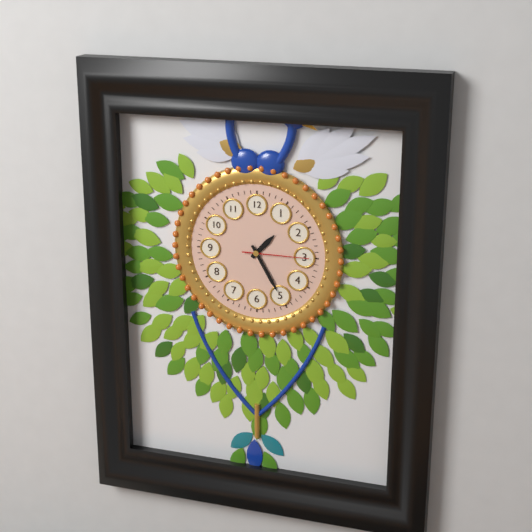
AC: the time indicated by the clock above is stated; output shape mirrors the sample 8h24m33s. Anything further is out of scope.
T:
1h25m15s
